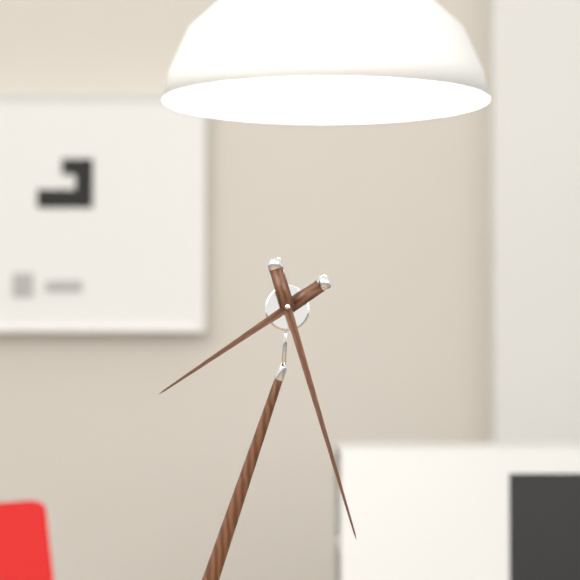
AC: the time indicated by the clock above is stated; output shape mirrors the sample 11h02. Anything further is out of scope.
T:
7h25
